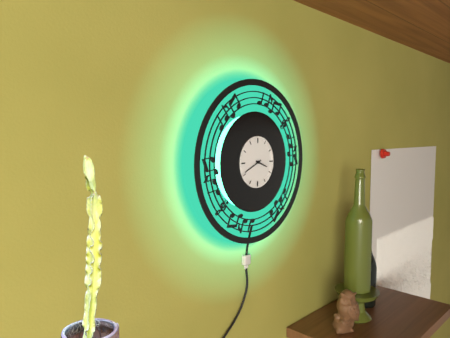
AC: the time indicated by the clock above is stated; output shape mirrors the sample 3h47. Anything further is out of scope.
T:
3h41
